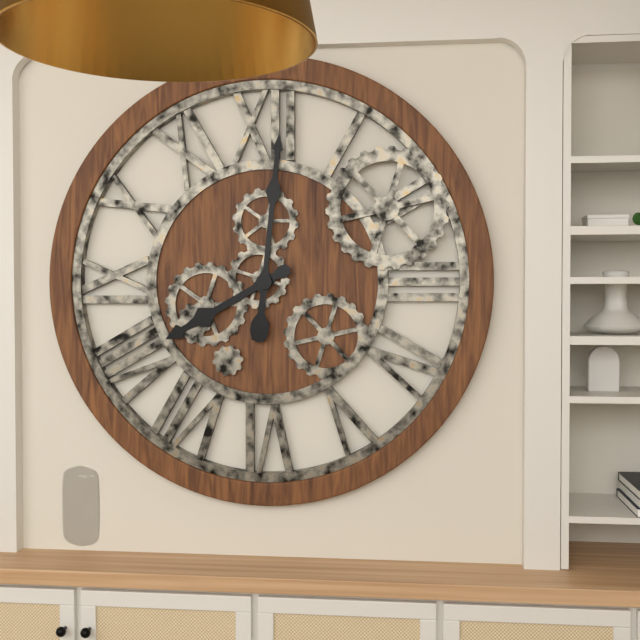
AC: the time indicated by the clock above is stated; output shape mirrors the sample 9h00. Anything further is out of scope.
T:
8h01
